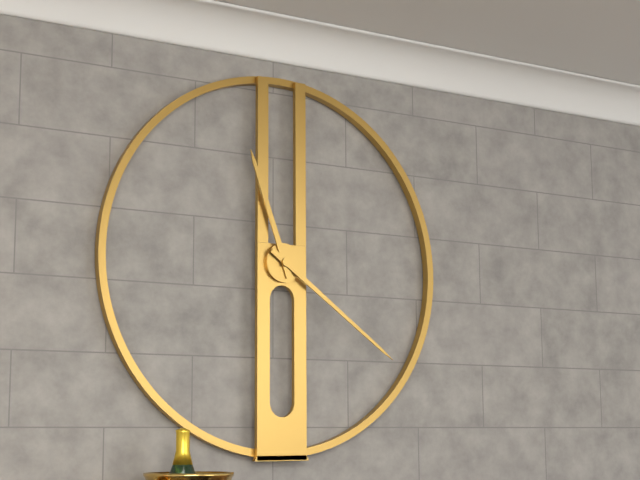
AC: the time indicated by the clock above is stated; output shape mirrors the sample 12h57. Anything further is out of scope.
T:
11h21
